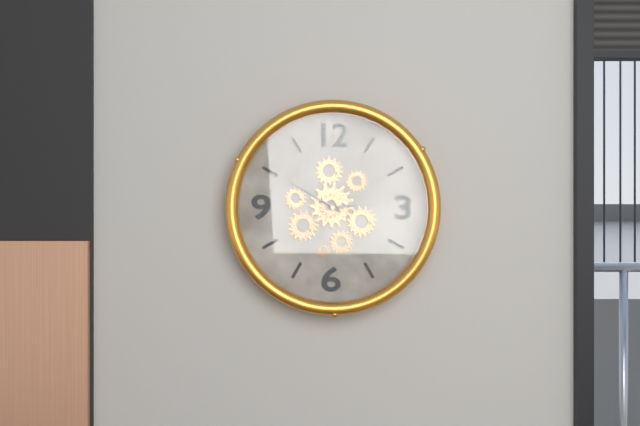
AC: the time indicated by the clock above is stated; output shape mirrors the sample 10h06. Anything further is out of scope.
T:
2h50
